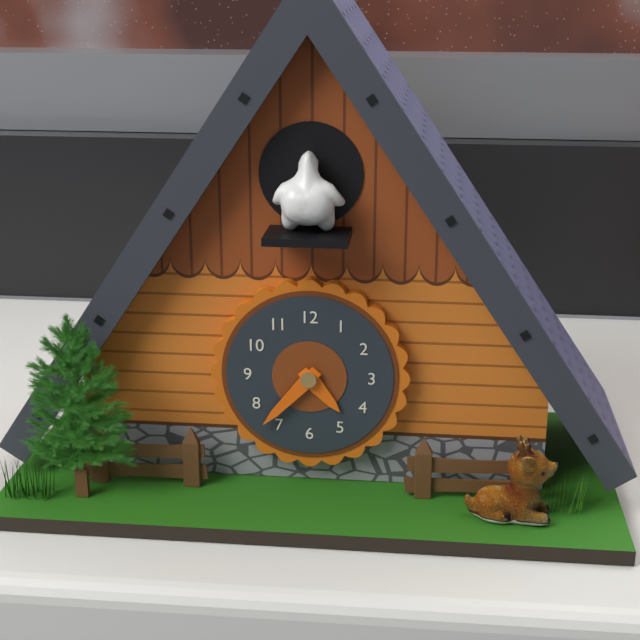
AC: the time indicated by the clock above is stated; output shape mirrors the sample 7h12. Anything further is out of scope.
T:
4h37
